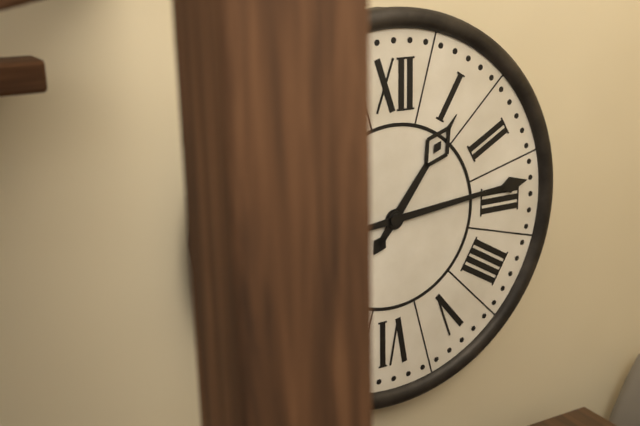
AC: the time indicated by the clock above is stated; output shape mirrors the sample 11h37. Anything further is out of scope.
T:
1h14
